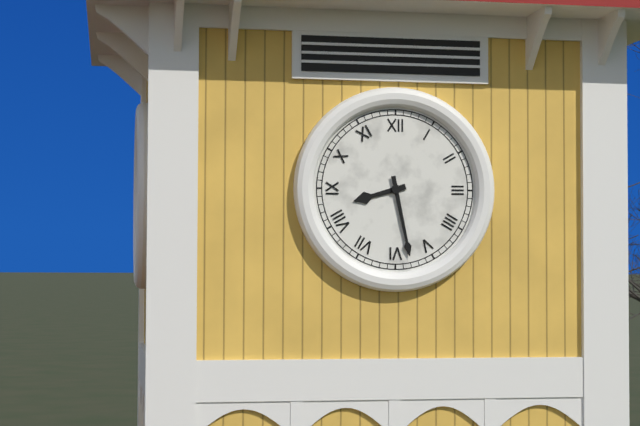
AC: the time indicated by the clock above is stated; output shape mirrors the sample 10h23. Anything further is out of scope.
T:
8h28
